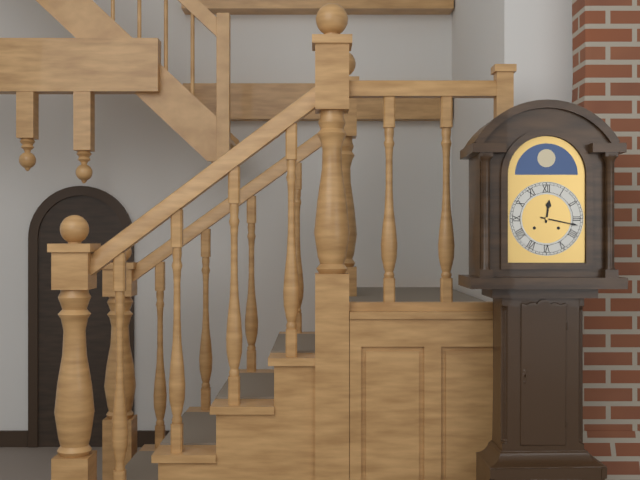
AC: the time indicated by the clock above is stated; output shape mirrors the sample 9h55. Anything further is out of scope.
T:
12h17
